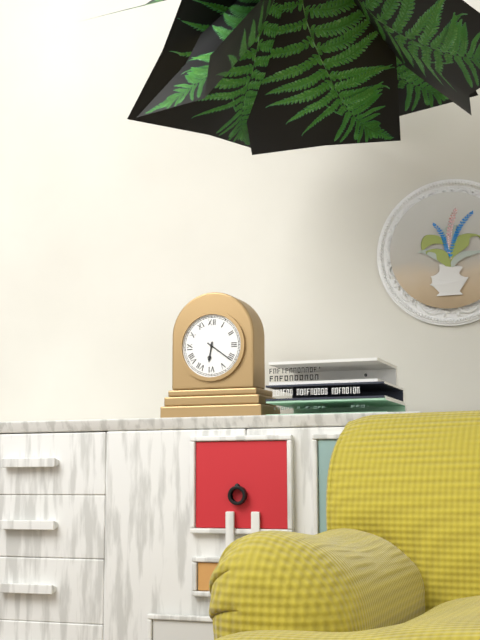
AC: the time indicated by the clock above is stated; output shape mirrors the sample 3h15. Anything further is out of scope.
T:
6h21
